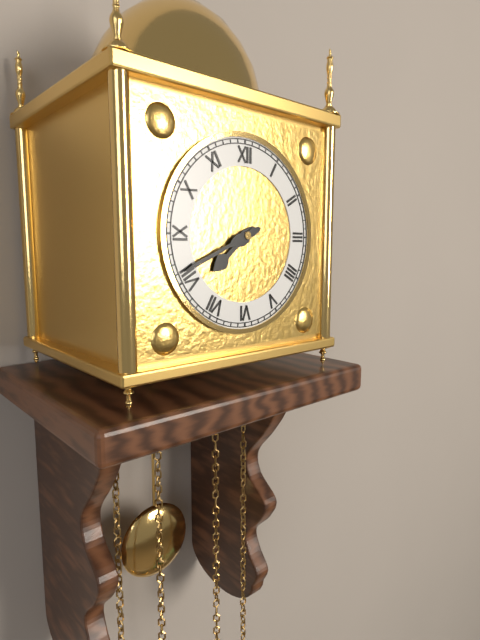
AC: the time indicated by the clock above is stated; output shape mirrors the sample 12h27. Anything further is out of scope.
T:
7h41
